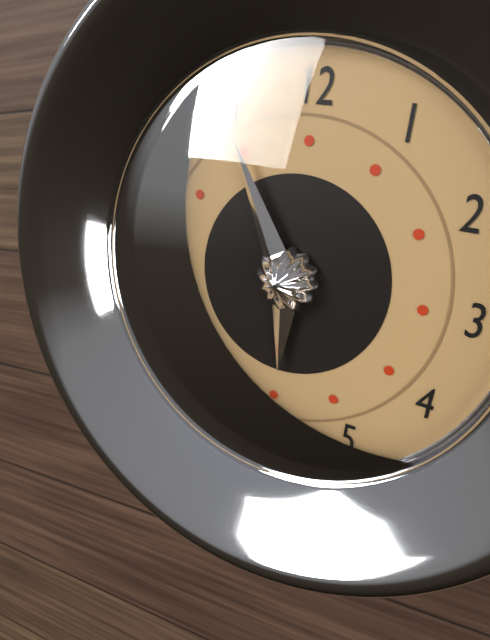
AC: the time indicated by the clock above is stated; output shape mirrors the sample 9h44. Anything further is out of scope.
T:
5h55
